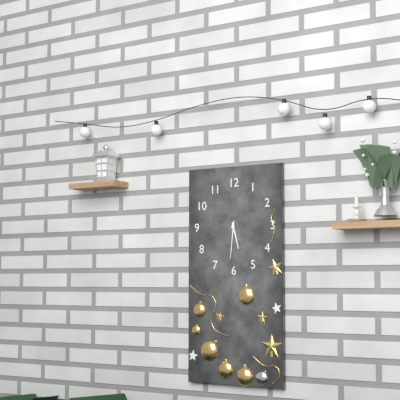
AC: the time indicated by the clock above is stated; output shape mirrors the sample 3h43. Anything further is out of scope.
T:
5h31
